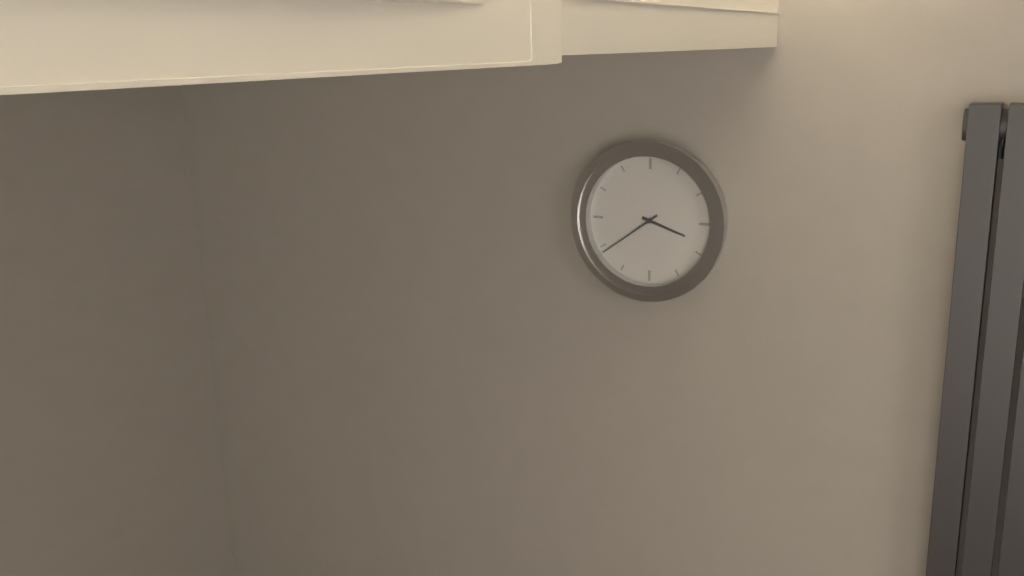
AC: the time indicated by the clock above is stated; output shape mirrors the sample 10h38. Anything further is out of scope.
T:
3h39
